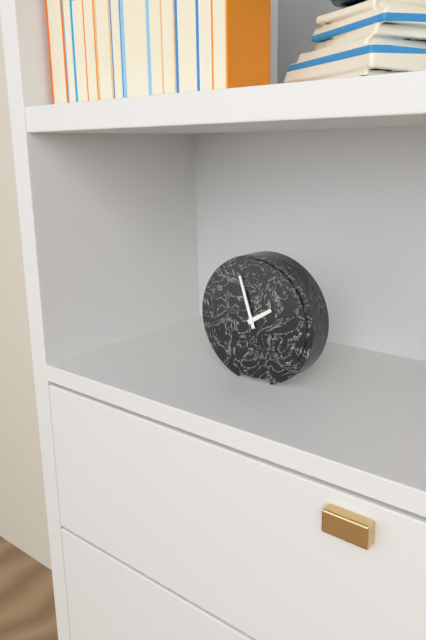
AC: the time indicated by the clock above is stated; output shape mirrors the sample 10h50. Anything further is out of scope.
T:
1h57
